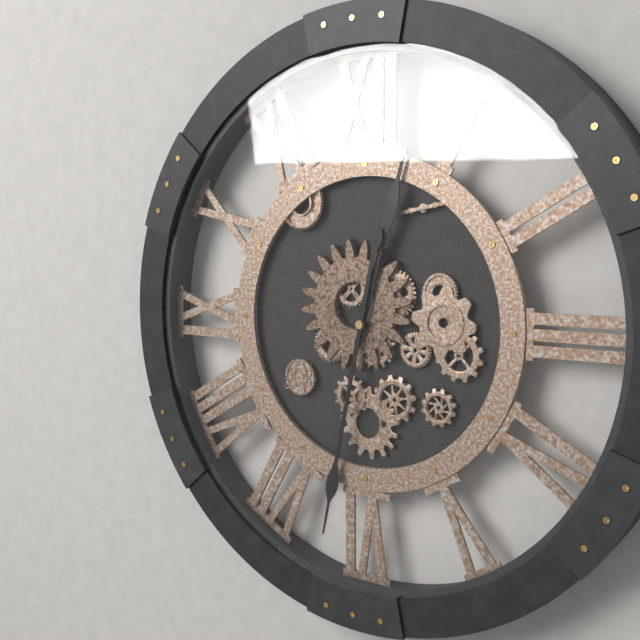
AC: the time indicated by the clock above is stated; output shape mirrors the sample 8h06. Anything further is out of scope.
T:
12h32
